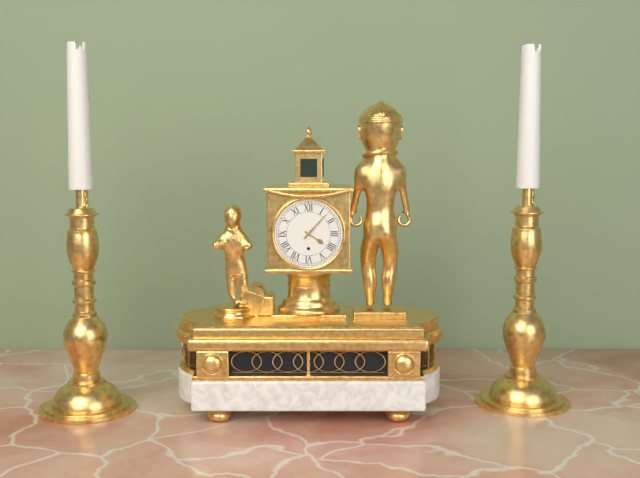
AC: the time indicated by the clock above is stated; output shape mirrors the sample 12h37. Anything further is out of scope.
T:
4h07
